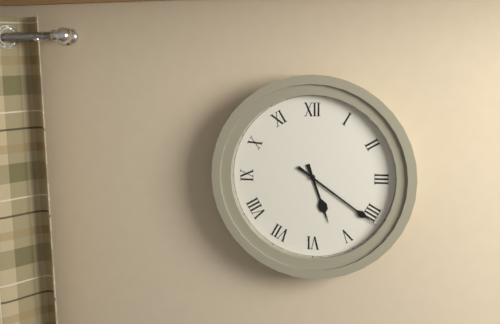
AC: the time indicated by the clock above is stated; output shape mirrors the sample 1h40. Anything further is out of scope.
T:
5h21
